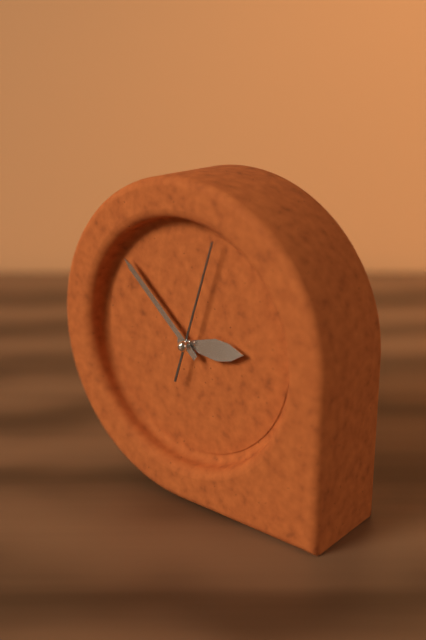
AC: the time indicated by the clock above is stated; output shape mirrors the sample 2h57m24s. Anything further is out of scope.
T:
2h52m03s
